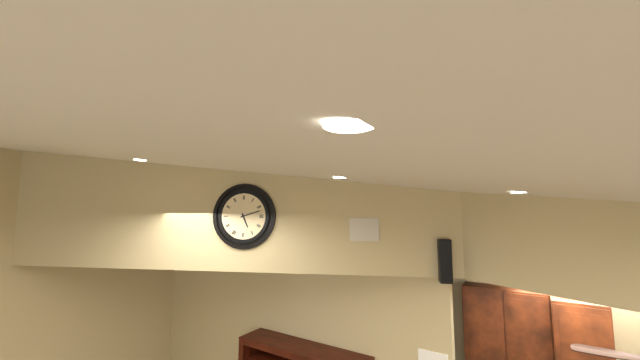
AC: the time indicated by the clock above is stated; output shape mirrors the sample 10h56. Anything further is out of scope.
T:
5h12
